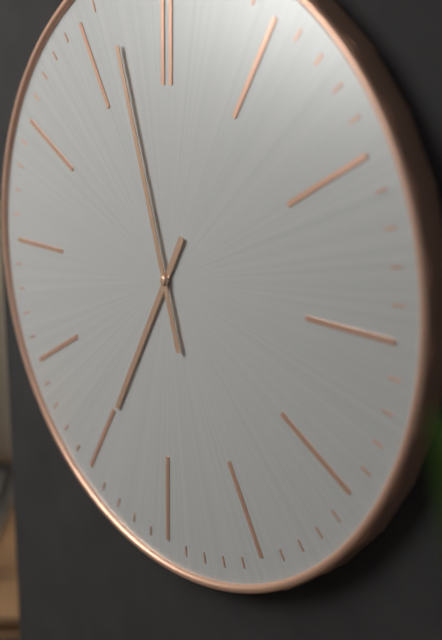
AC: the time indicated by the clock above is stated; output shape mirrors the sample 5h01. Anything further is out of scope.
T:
6h57
